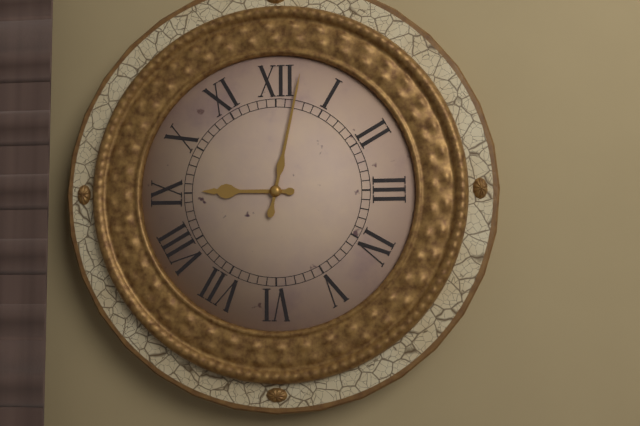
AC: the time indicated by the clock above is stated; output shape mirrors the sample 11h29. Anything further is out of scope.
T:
9h02
